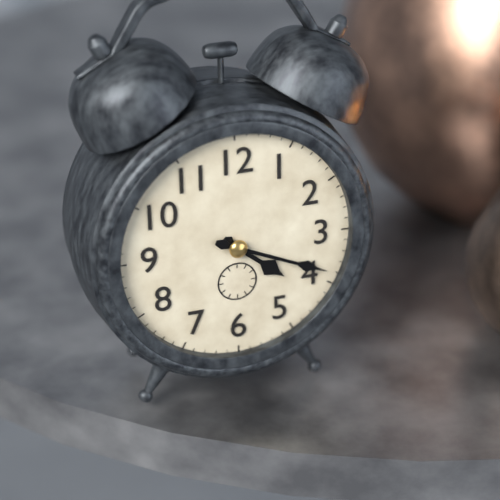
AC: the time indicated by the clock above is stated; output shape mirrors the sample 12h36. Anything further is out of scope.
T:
4h19
